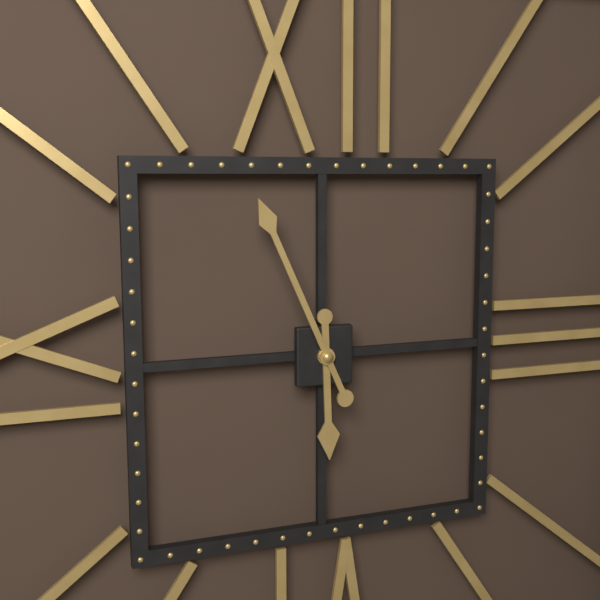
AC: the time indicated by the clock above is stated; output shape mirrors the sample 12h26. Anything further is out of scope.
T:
5h56
